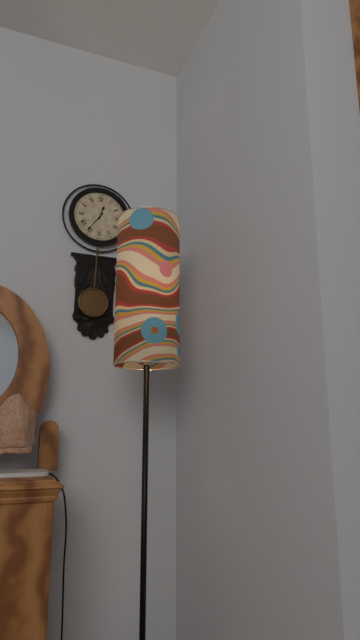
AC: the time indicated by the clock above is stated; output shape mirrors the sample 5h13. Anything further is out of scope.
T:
12h36
